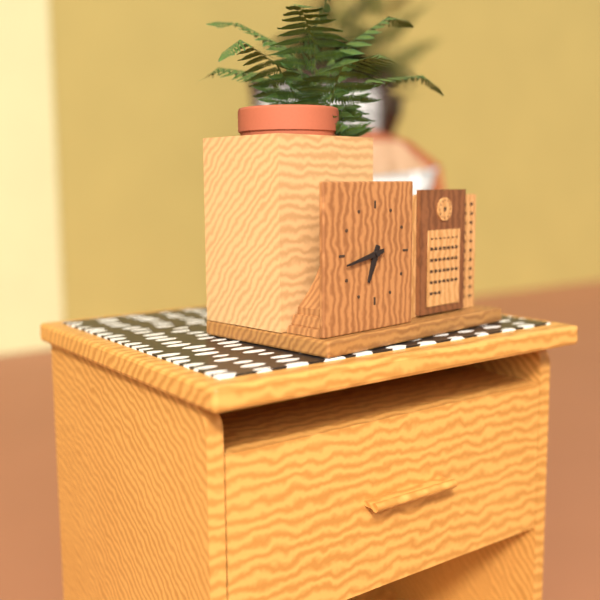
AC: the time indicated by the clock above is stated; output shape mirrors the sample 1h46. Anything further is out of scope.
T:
6h43
